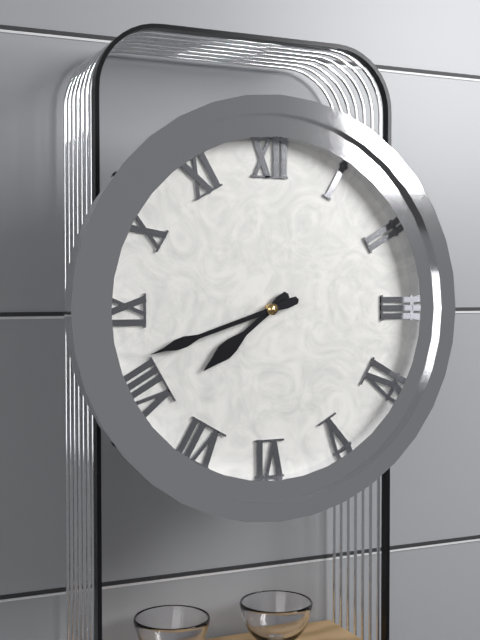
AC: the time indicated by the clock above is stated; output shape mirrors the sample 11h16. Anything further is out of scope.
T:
7h42
